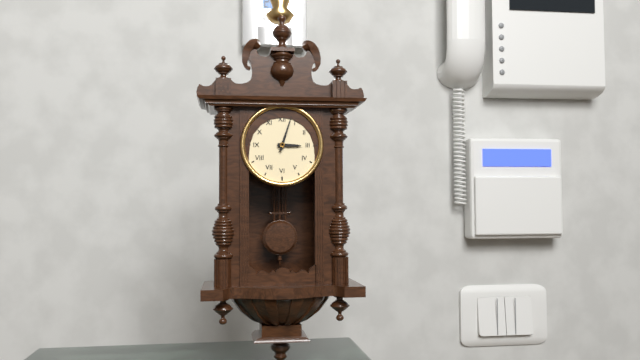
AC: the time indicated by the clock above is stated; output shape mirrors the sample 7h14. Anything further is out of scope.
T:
3h03
